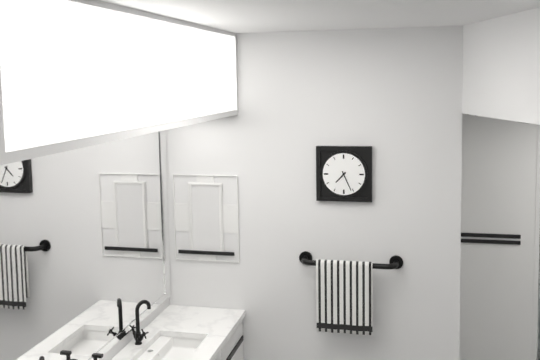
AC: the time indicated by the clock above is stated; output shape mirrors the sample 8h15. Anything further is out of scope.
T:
7h26
